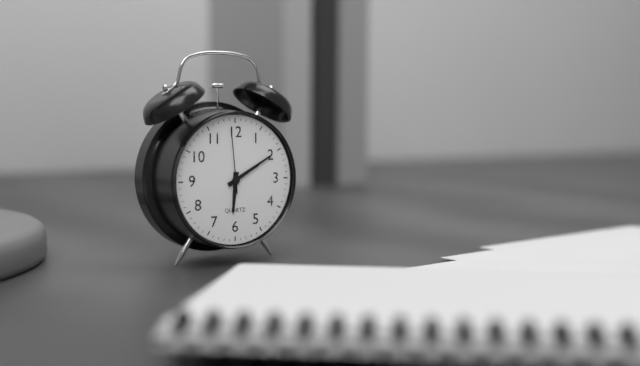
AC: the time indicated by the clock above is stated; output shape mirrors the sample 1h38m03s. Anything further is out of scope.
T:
6h10m59s
